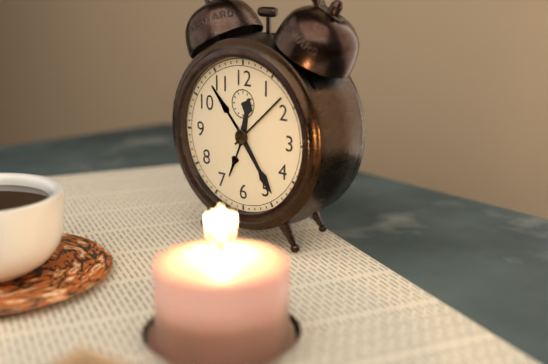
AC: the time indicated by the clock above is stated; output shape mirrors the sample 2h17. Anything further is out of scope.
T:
12h24
